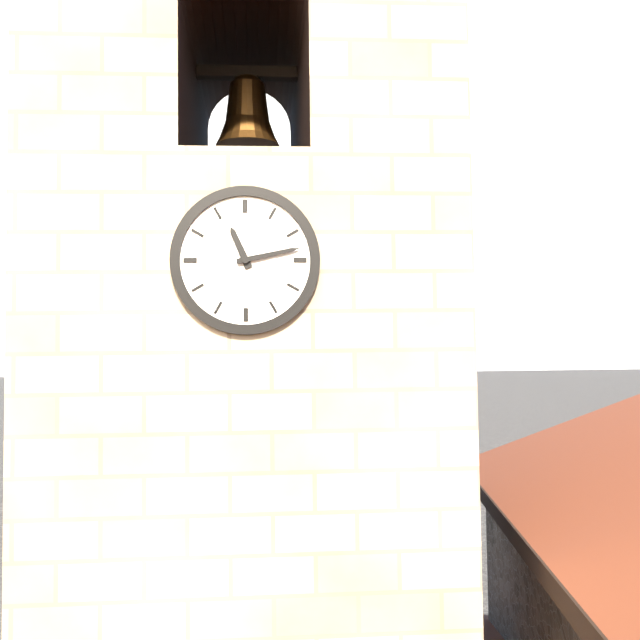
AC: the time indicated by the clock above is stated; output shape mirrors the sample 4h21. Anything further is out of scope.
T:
11h13
